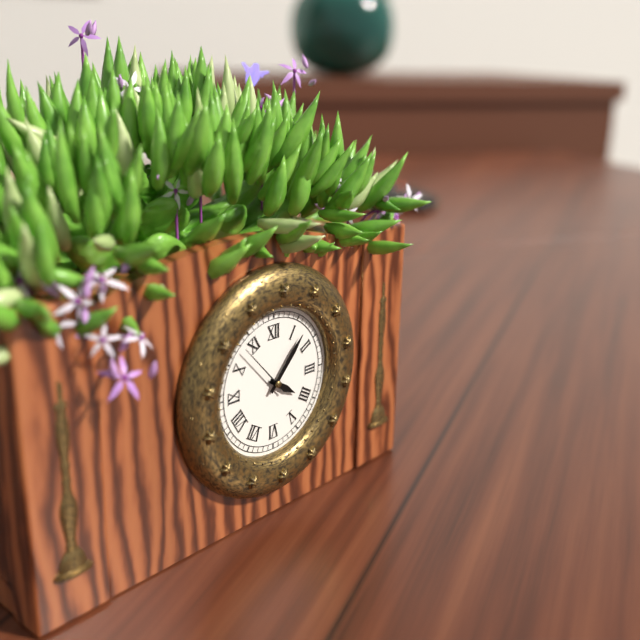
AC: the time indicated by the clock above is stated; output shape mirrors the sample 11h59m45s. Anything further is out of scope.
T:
4h07m53s
